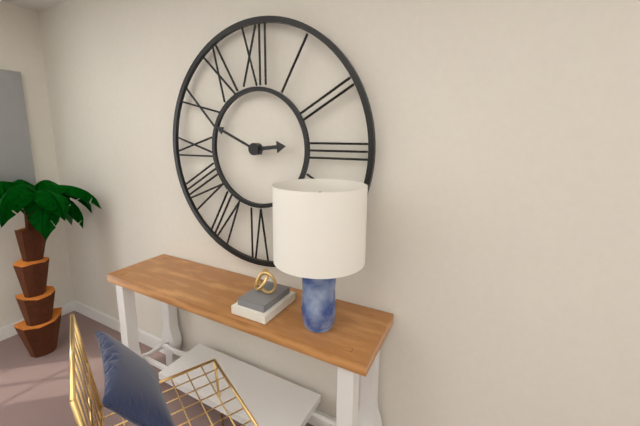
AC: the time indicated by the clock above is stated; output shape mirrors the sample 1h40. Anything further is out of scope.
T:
2h49
